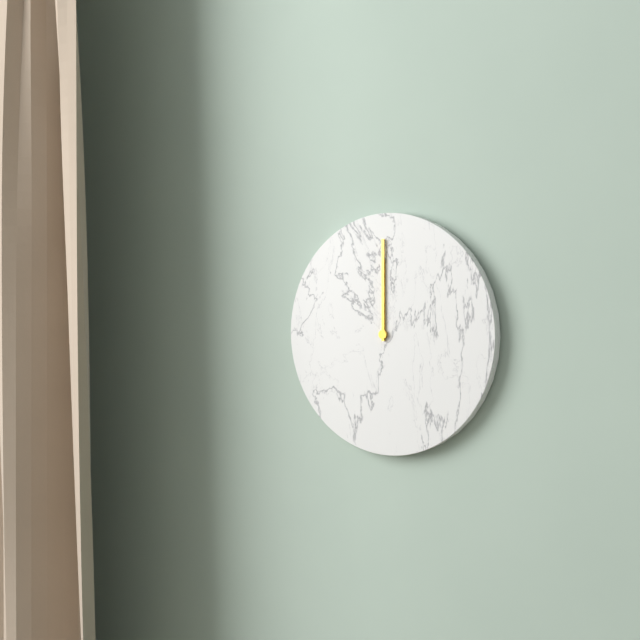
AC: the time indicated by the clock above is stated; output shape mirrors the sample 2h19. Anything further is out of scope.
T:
12h00
